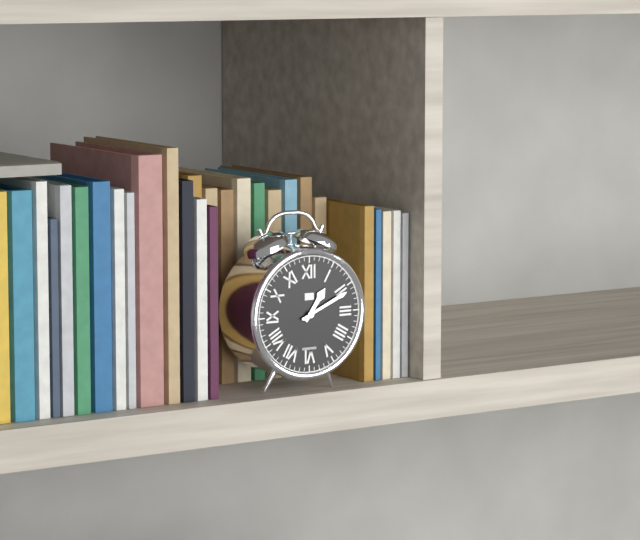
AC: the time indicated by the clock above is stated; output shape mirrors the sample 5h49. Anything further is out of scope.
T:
1h11
